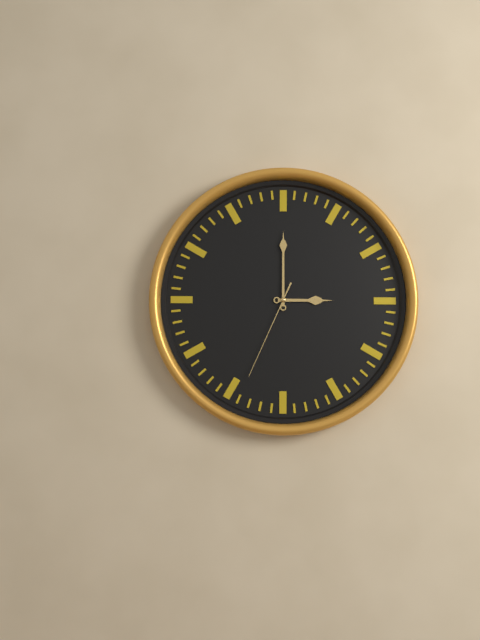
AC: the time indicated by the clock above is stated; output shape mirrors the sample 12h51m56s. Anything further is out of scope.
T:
3h00m34s
